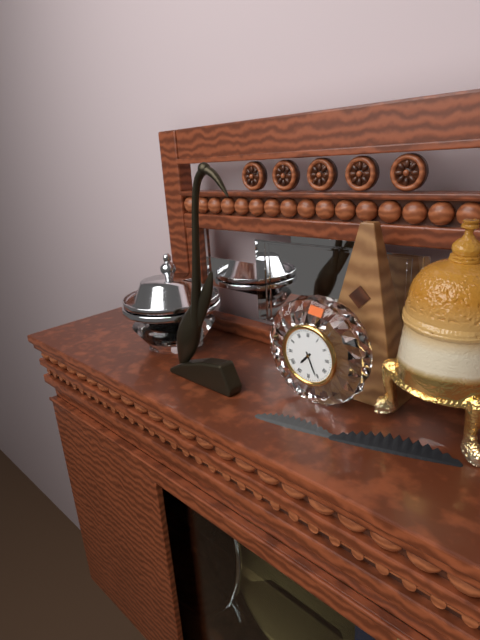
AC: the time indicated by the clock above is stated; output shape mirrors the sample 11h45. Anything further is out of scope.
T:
7h26
